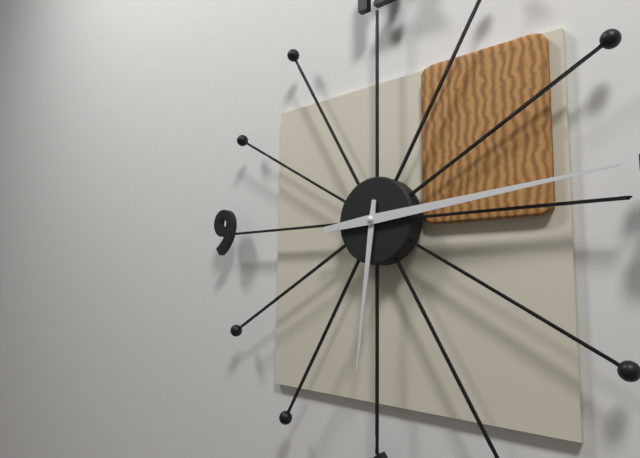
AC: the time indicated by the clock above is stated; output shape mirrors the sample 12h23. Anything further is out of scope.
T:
6h14
